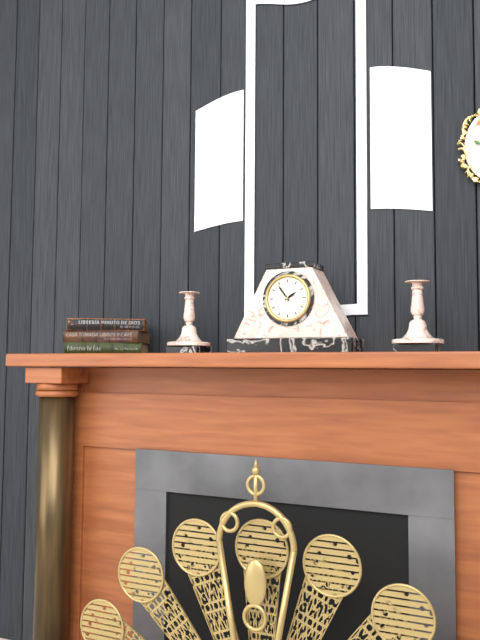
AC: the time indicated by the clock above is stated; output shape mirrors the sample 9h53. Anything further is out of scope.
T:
1h54
